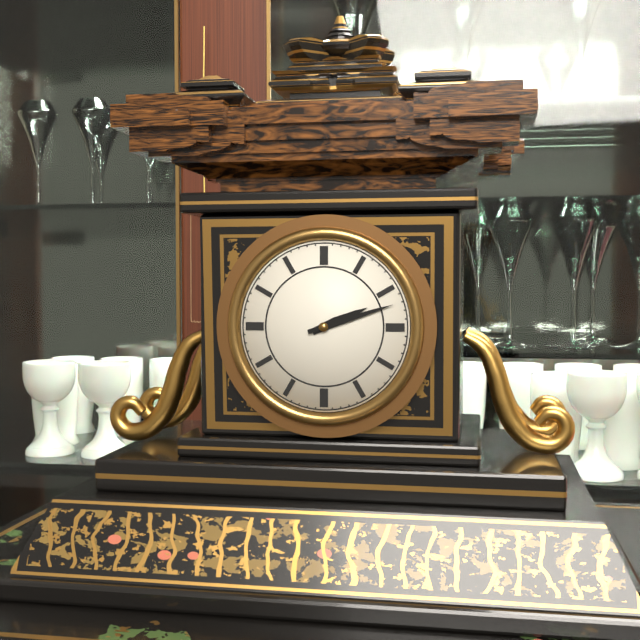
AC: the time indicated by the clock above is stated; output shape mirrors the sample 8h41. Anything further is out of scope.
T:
2h12
